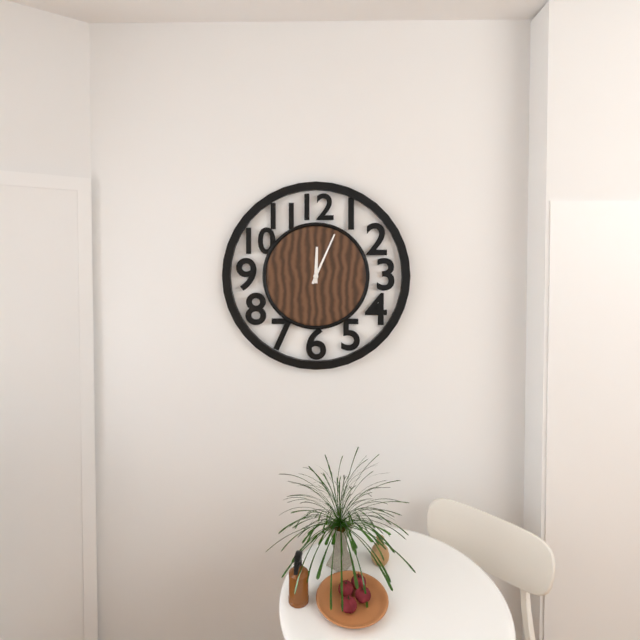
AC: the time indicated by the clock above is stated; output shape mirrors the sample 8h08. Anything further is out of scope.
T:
12h04
